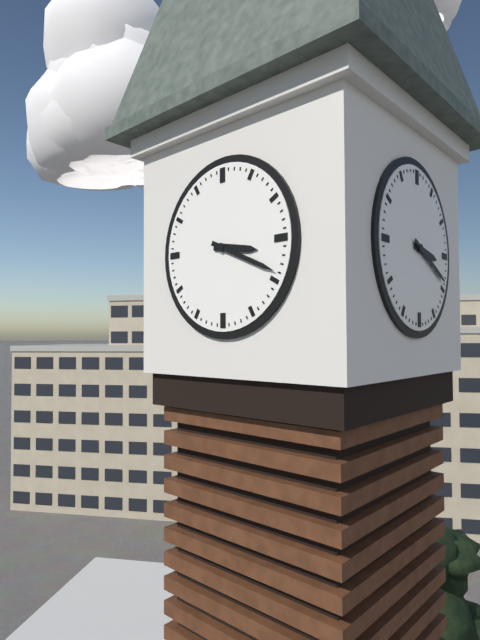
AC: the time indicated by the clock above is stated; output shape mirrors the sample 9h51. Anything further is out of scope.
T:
3h19
